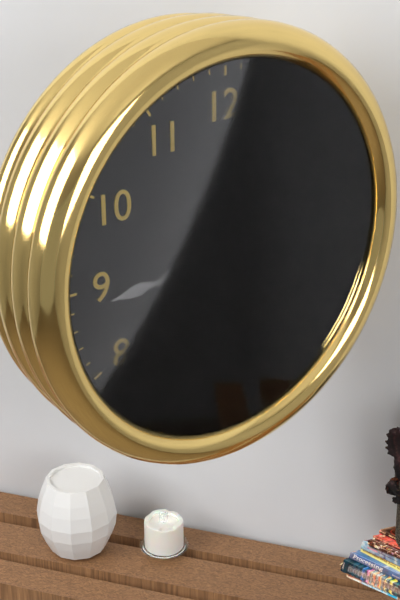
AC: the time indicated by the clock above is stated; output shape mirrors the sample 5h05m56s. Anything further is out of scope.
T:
8h44m31s
